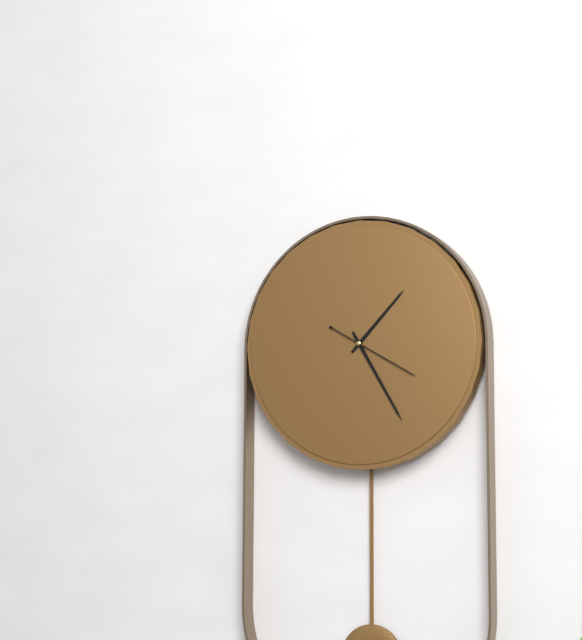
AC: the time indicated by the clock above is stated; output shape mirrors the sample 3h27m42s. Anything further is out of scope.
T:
1h25m20s
